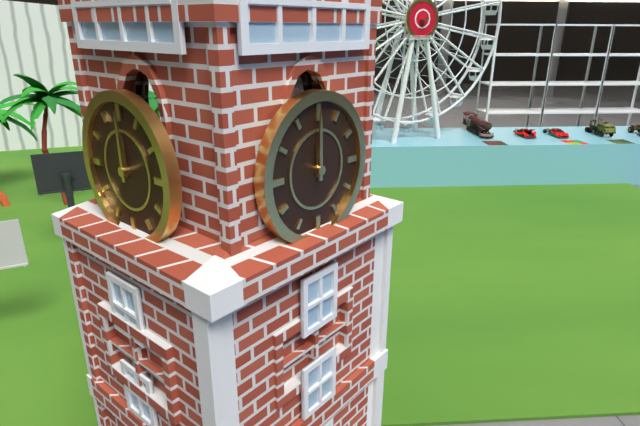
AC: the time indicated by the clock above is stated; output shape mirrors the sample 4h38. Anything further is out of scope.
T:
12h00
